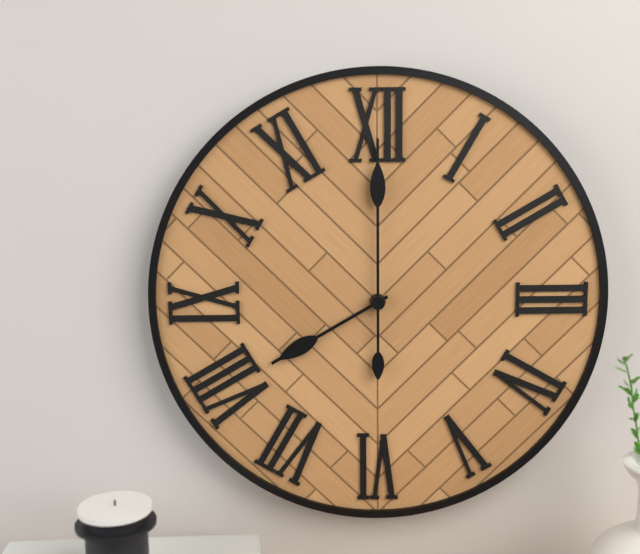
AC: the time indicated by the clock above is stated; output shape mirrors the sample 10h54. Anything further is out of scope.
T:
8h00
